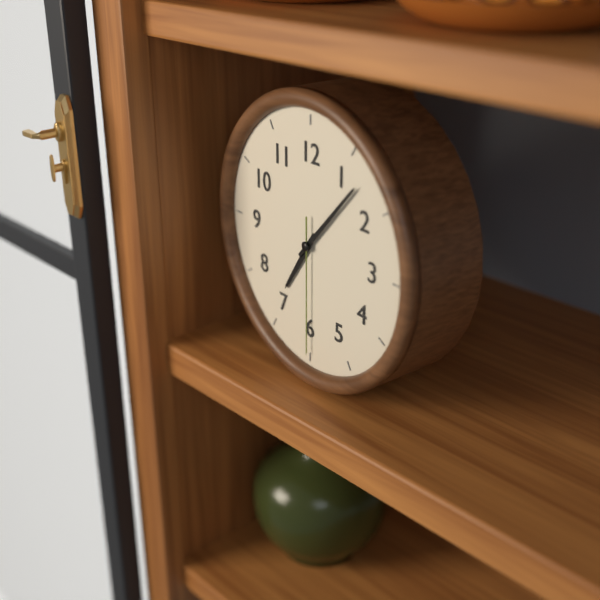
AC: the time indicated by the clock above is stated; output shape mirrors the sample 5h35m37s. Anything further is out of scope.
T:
7h07m30s
